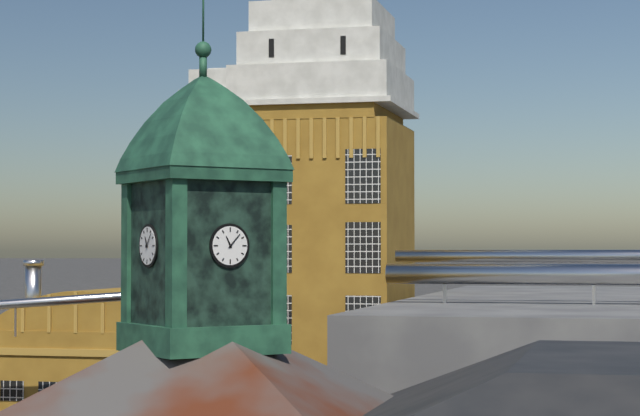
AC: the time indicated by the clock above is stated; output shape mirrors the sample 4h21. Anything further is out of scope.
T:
11h07
